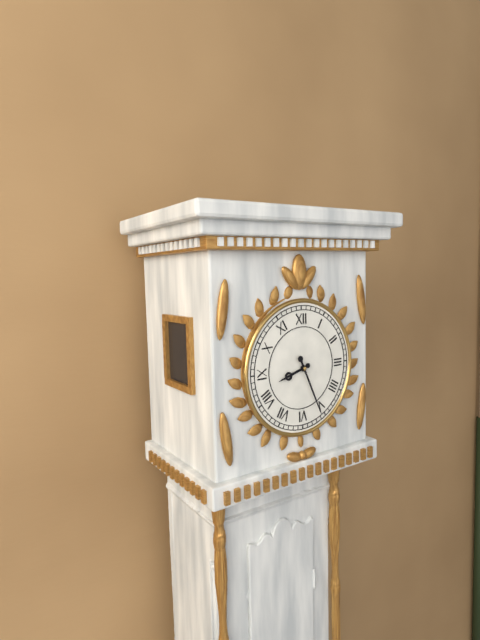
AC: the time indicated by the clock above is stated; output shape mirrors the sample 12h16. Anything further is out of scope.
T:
8h26
